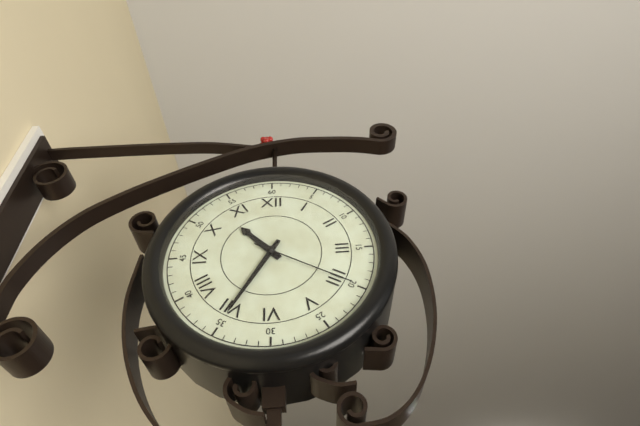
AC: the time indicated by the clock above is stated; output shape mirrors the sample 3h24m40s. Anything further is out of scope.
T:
10h35m20s
